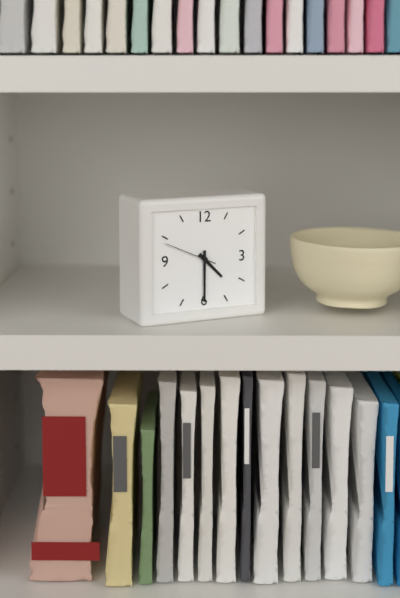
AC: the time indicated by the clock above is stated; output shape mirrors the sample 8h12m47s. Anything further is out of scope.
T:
4h30m49s
